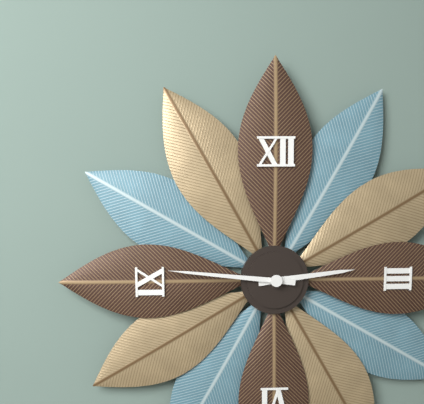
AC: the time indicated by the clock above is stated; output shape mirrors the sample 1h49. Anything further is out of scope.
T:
2h46
